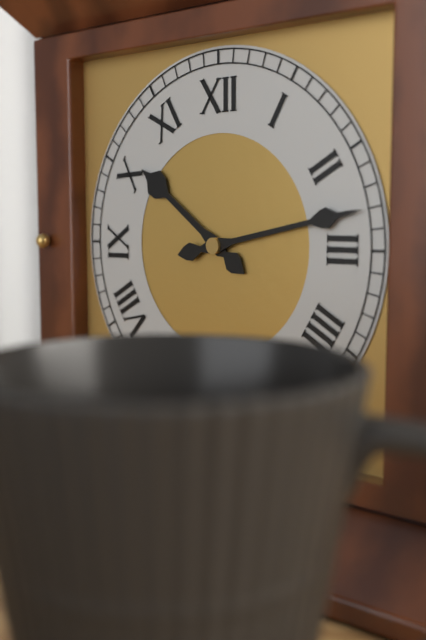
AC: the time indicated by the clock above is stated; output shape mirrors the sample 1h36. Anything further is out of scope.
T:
10h13
